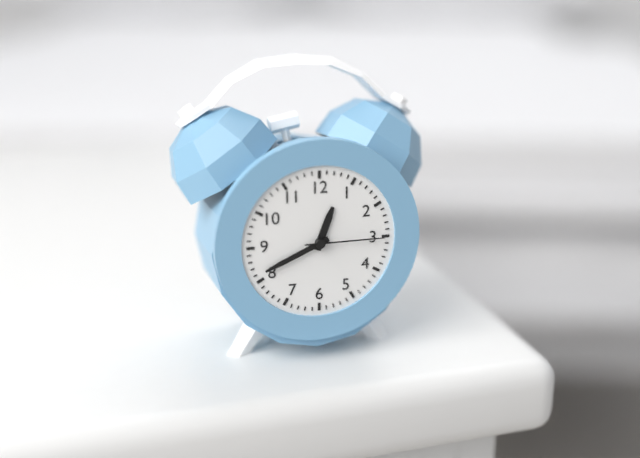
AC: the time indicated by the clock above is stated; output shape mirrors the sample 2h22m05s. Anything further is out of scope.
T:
12h41m15s
